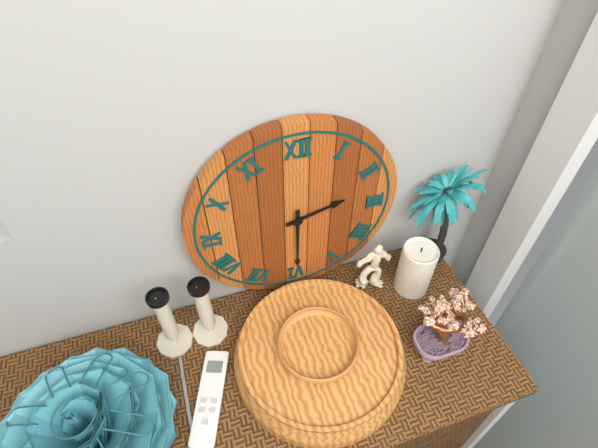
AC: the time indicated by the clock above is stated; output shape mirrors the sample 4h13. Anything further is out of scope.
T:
2h30
